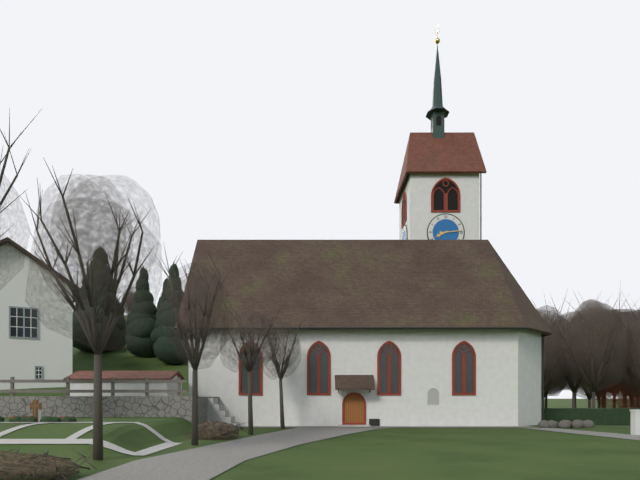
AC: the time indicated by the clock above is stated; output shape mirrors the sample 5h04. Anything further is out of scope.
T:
8h14
